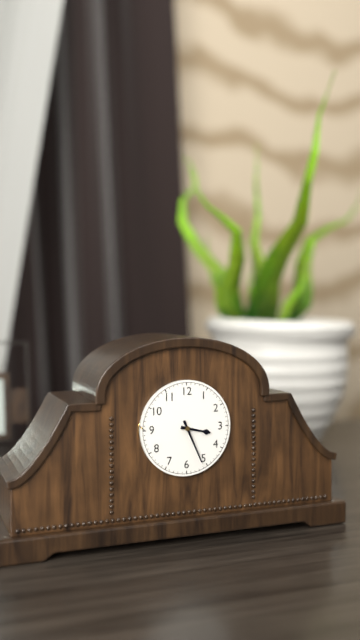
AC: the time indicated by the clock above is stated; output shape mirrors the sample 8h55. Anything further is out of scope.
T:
3h26
